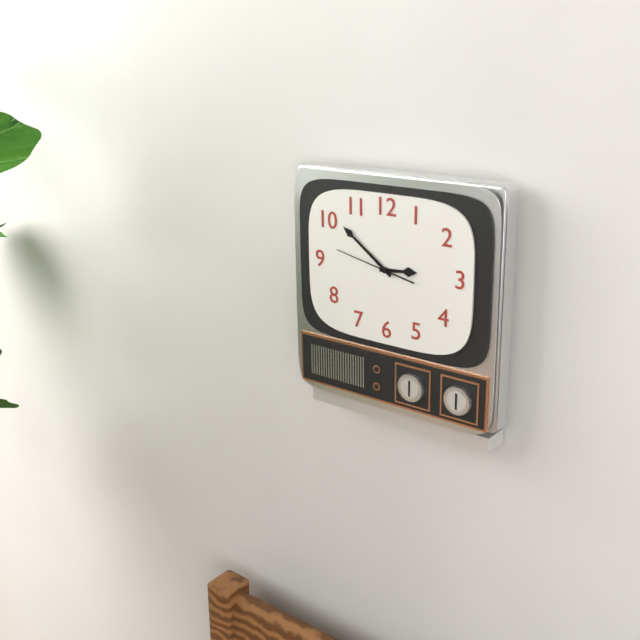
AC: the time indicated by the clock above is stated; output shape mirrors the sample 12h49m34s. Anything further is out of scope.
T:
2h51m47s
